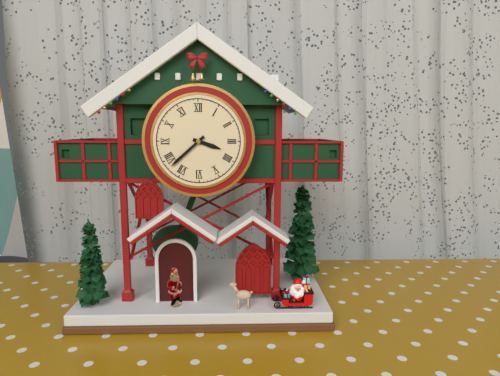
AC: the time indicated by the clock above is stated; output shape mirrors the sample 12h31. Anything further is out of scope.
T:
3h38
